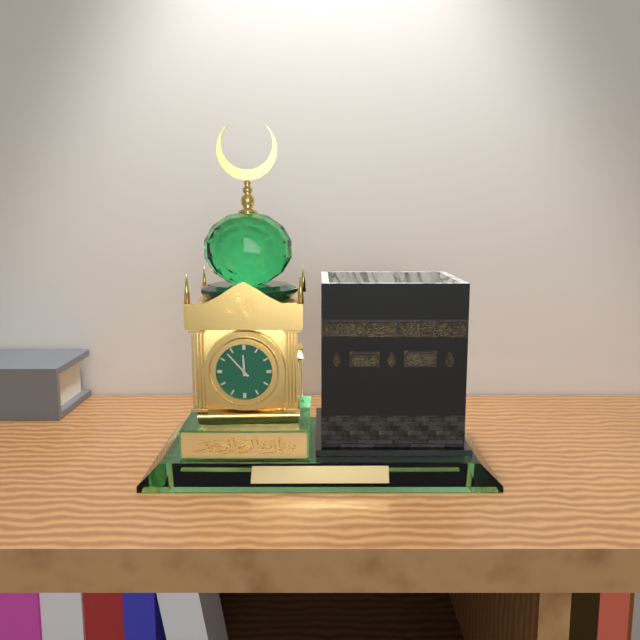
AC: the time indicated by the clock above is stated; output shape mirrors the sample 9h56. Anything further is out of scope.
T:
11h53
